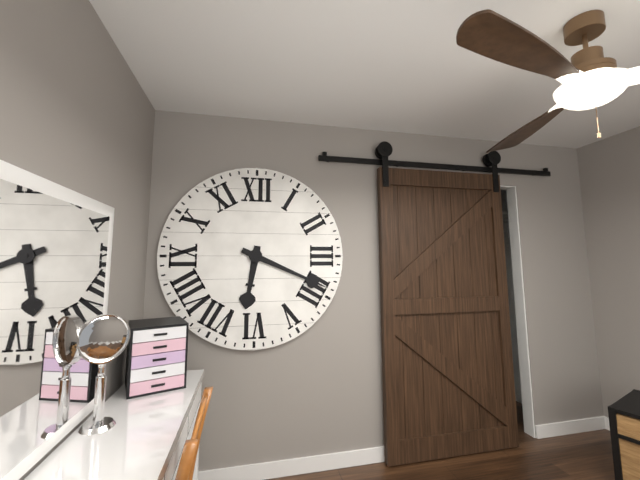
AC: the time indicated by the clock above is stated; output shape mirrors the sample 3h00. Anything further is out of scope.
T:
6h19
